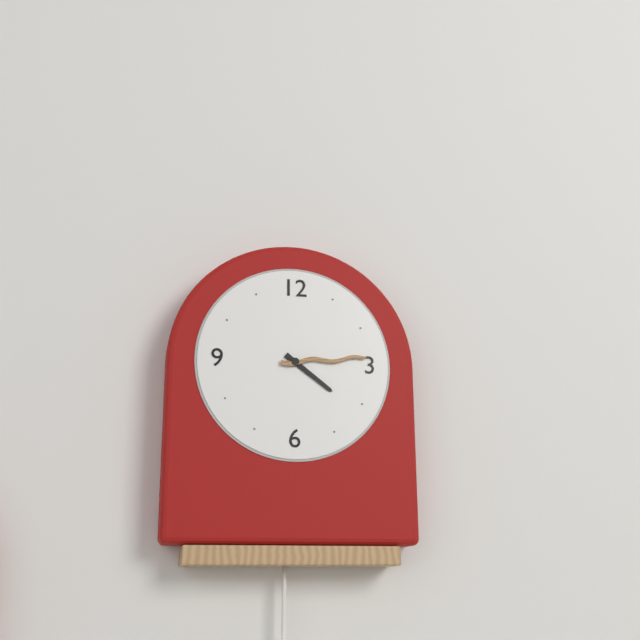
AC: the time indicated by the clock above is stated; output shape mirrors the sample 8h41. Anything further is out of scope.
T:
4h14
